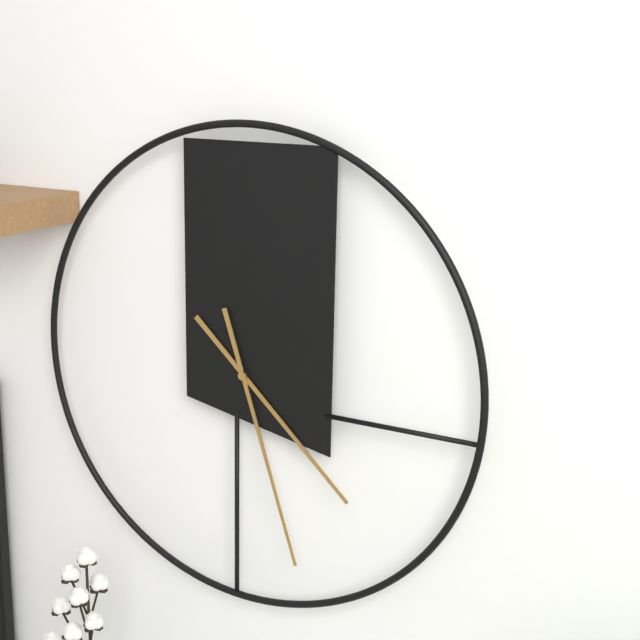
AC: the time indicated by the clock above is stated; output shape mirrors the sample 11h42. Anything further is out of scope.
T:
4h27
